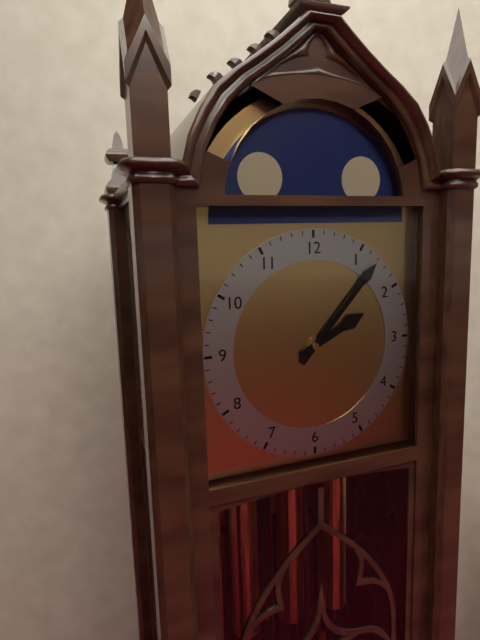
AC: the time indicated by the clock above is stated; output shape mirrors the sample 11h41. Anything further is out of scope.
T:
2h07
